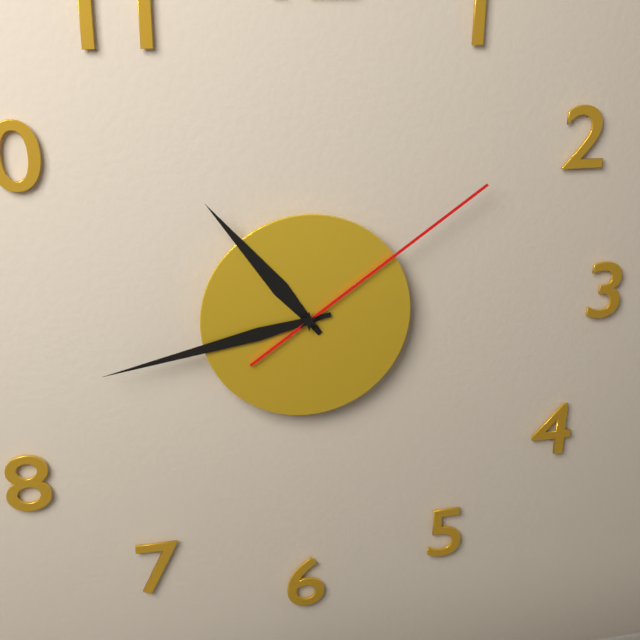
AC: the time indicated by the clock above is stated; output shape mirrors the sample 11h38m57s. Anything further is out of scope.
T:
10h43m09s
